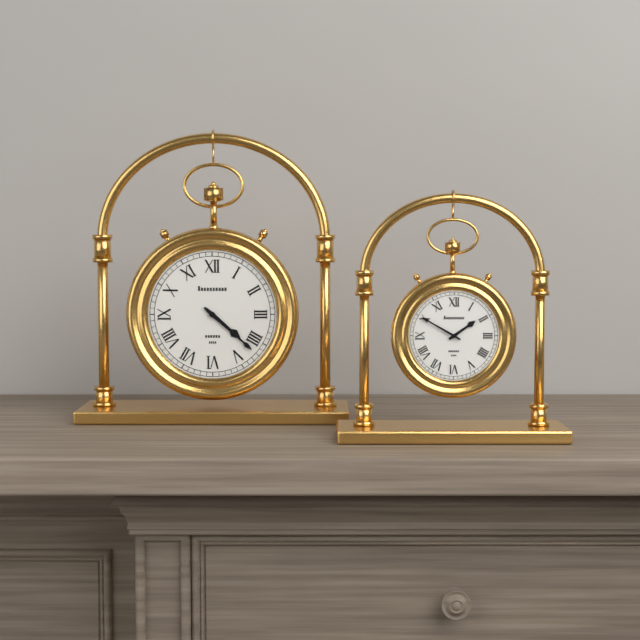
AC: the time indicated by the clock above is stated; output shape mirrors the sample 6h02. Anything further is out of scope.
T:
4h22
